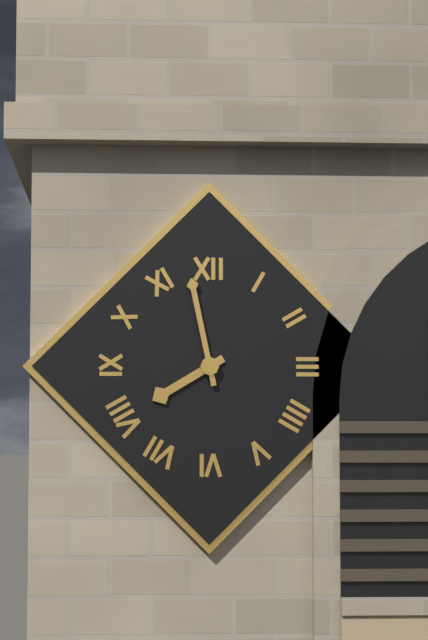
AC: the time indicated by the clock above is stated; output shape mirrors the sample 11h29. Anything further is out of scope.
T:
7h58
